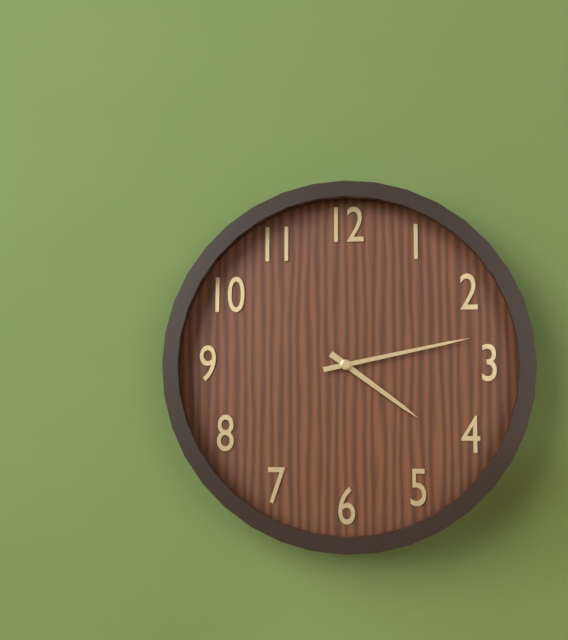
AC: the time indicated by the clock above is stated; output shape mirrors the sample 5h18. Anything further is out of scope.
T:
4h13
